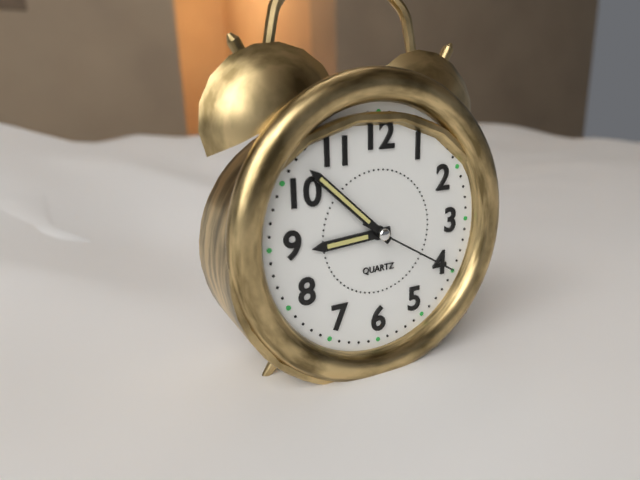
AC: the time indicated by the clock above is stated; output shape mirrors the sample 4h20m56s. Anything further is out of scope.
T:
8h52m20s
